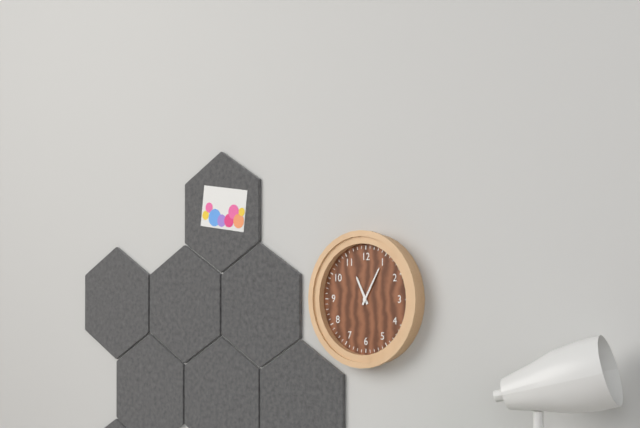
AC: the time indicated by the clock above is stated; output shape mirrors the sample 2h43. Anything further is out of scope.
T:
11h05
